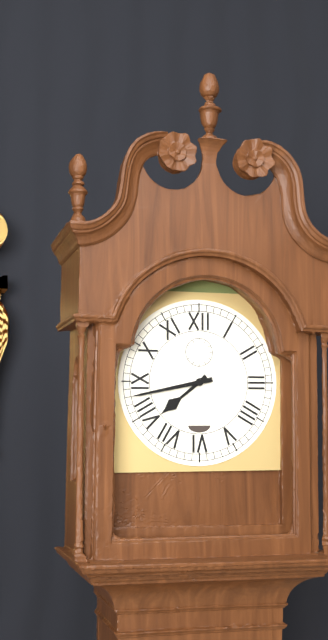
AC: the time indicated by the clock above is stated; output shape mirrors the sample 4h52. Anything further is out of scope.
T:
7h43
